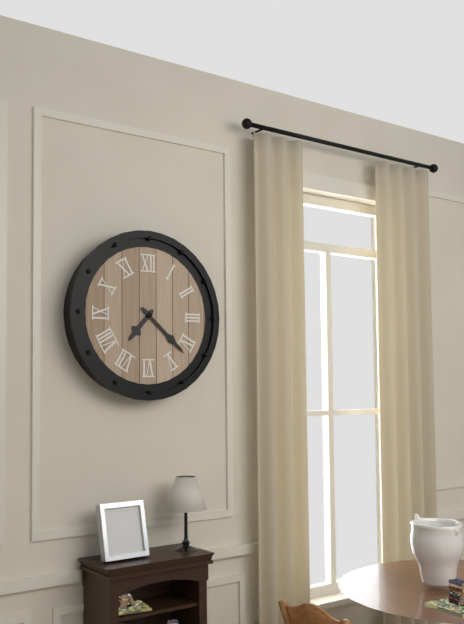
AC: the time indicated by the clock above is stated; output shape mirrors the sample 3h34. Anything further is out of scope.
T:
7h22
